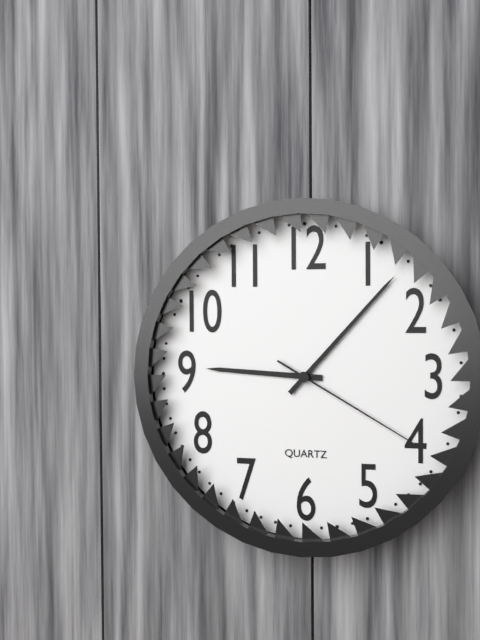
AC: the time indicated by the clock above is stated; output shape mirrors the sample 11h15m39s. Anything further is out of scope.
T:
9h07m20s
